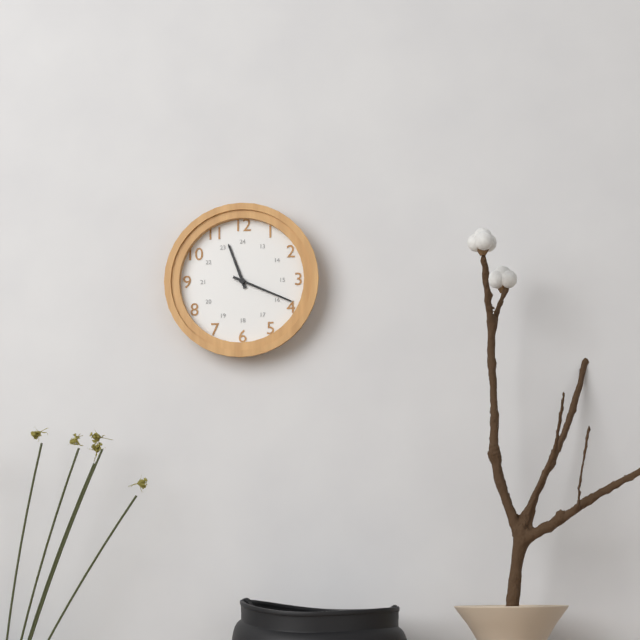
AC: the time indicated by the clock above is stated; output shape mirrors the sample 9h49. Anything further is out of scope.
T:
11h19
